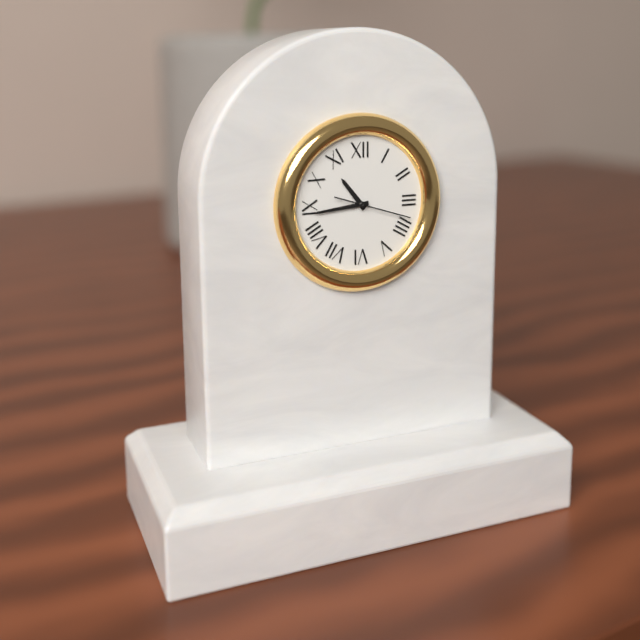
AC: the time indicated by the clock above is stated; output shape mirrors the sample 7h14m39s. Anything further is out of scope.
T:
10h44m18s
